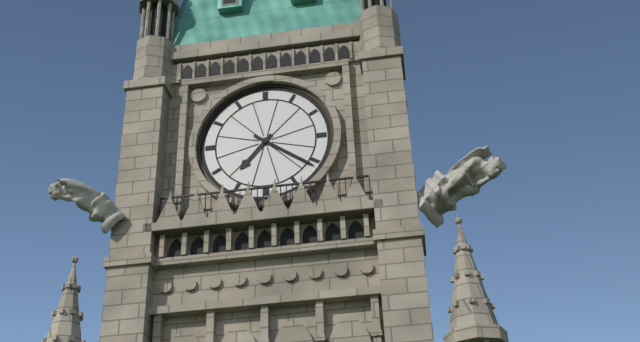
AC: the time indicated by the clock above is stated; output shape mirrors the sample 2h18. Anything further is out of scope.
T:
7h21
